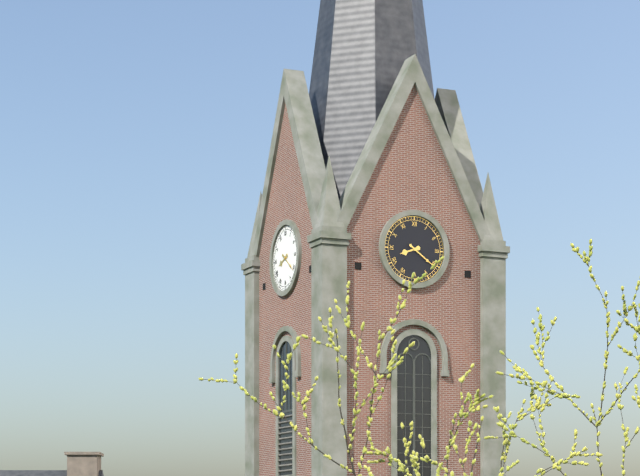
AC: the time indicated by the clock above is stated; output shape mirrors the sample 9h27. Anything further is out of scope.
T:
8h21
